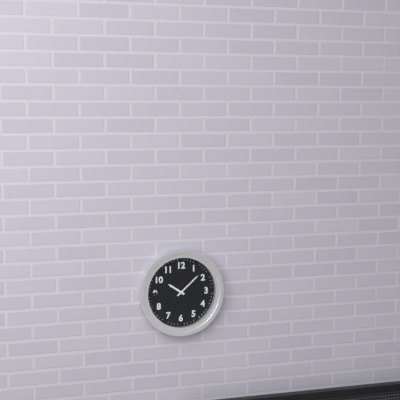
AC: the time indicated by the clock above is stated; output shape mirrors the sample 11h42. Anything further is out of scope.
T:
10h08
